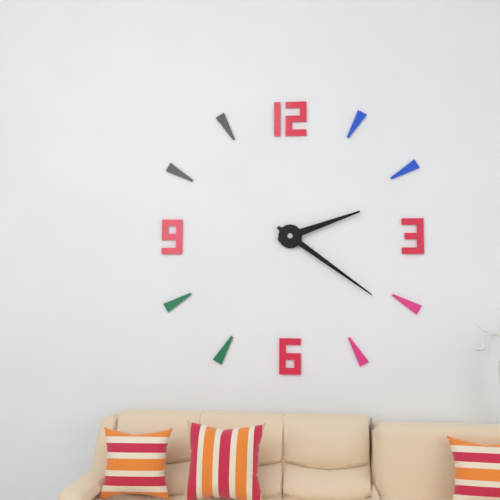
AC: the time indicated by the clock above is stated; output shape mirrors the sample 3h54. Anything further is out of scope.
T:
2h21
